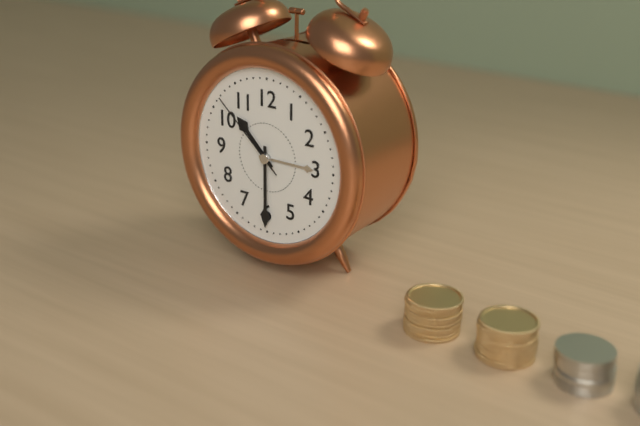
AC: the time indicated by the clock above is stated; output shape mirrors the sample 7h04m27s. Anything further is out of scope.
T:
10h30m52s
